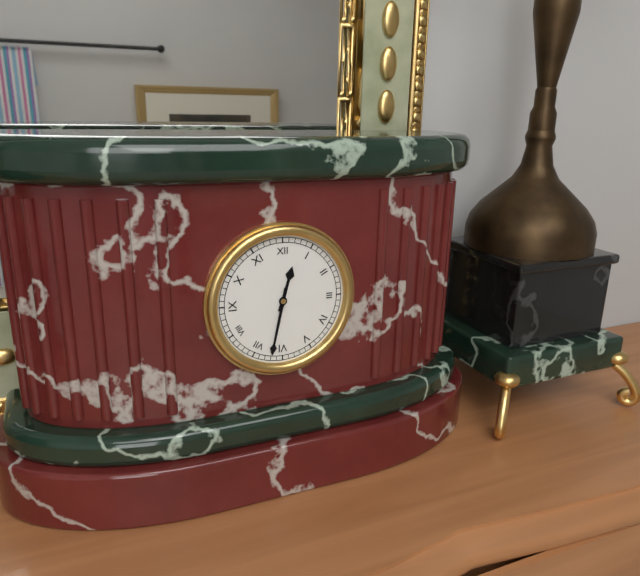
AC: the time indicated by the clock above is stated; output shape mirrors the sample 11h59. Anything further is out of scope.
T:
12h32
